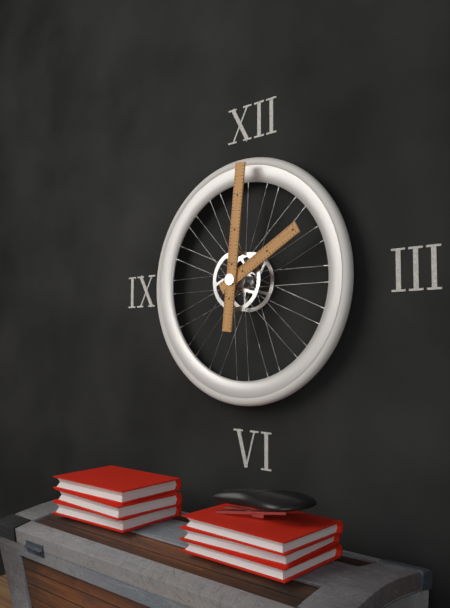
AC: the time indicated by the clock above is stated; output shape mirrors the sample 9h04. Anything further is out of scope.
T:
2h01
